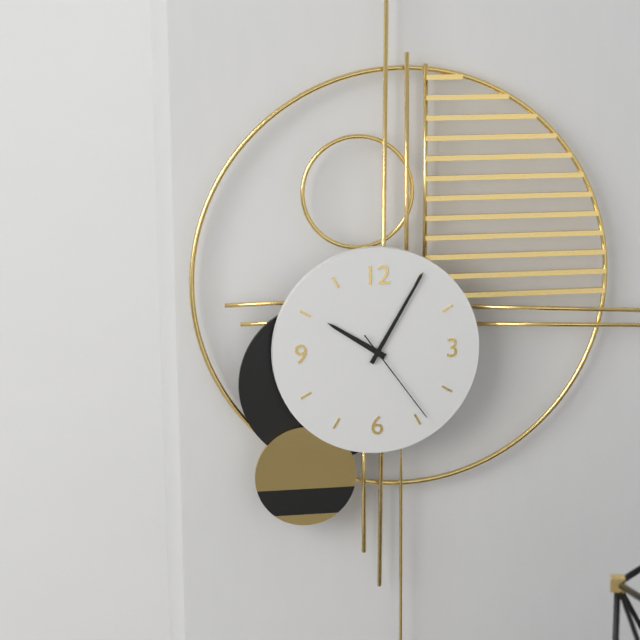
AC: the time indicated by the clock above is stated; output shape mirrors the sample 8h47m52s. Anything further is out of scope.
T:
10h05m24s
